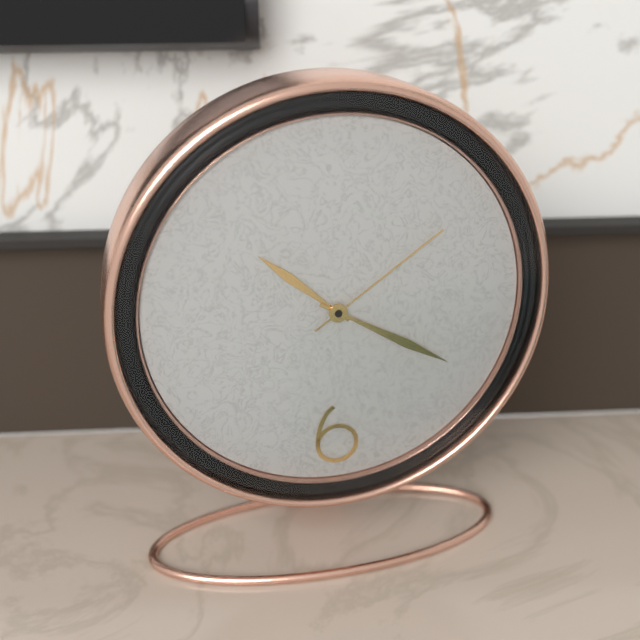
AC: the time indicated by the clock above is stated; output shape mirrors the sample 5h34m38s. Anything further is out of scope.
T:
10h20m09s
